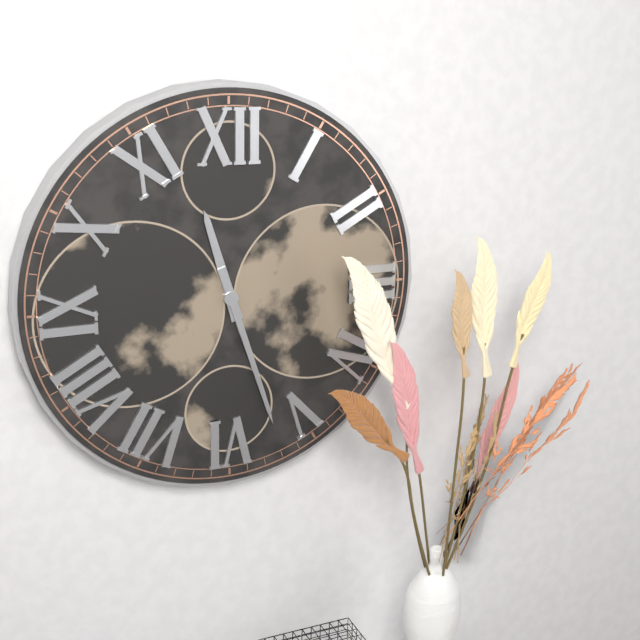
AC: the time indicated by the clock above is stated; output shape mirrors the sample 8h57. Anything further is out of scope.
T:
11h27
